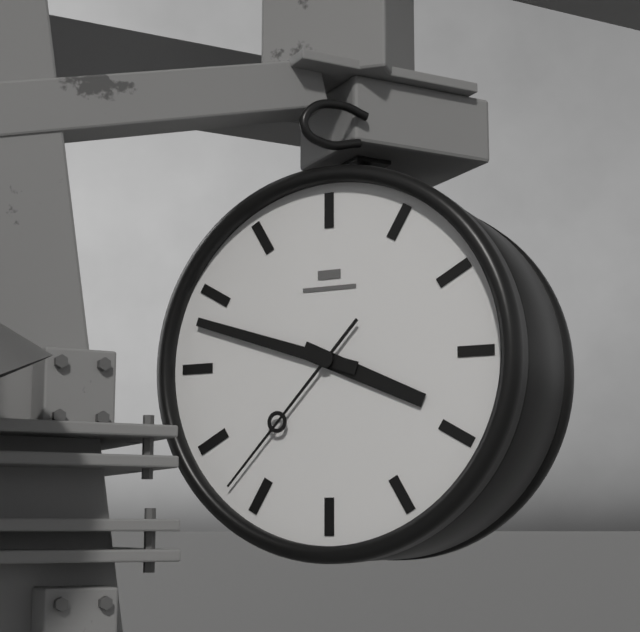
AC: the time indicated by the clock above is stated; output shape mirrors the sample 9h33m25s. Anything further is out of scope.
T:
3h48m37s
